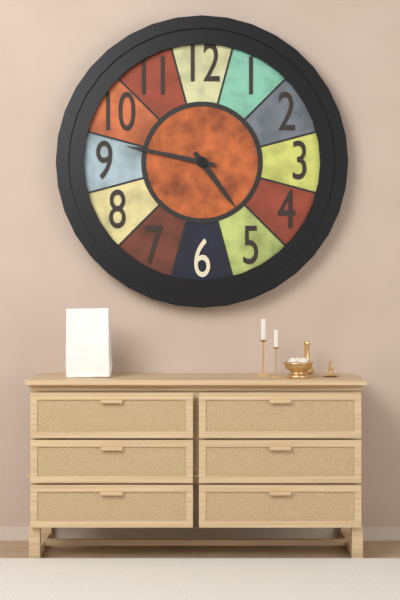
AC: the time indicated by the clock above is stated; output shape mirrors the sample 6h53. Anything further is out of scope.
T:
4h47
